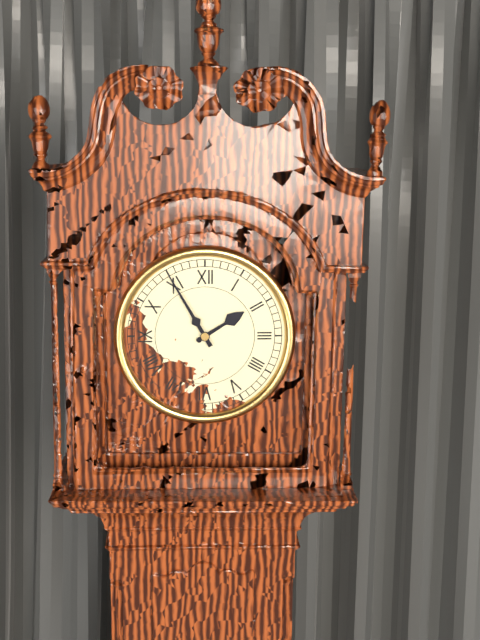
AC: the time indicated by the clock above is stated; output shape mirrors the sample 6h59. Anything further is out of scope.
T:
1h55
